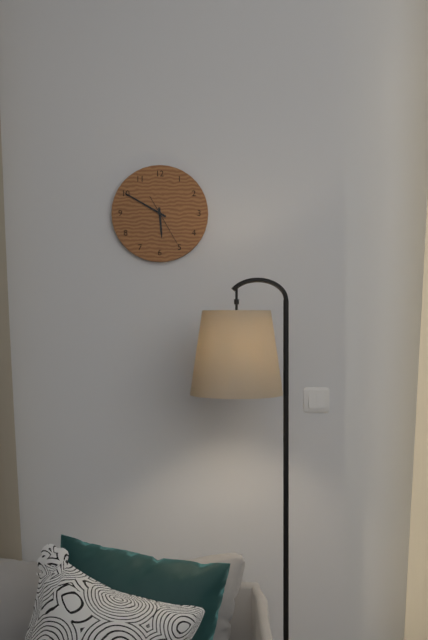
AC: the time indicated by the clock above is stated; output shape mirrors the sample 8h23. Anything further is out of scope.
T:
5h50
